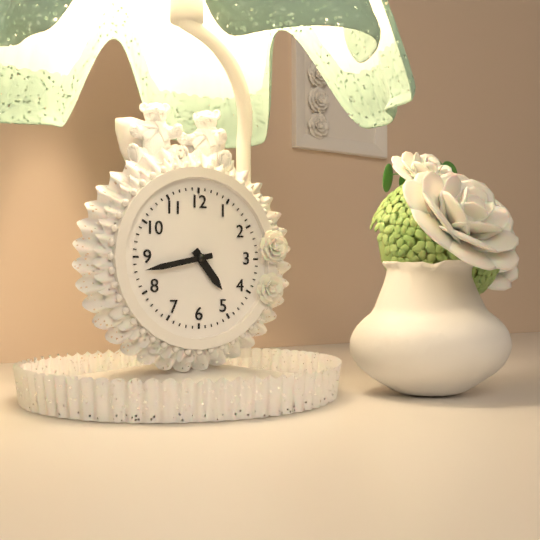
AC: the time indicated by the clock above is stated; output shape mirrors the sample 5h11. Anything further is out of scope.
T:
4h43
